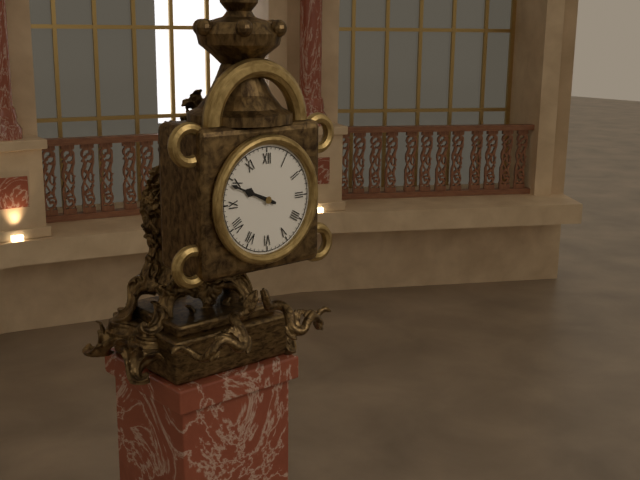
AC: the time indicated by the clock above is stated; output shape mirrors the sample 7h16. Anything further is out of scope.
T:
9h49
